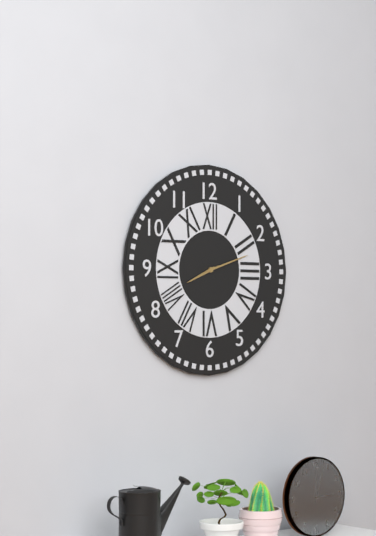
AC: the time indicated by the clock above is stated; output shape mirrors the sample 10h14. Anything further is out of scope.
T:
8h12
